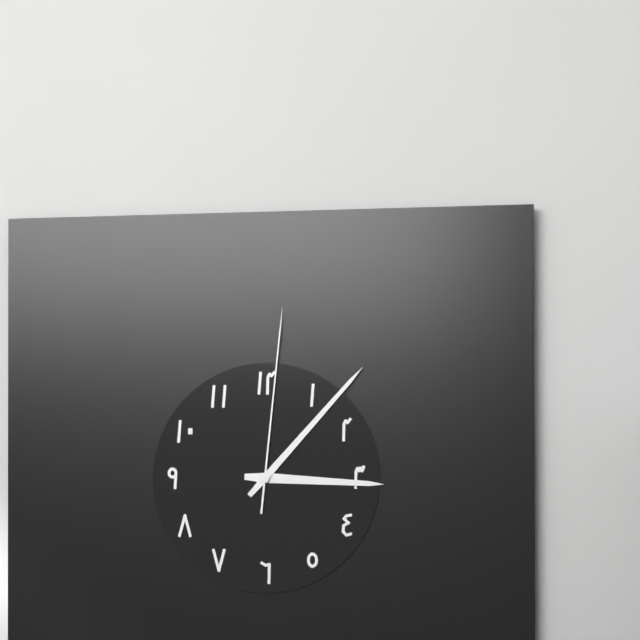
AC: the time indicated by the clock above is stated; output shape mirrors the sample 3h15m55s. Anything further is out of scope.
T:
3h07m01s
